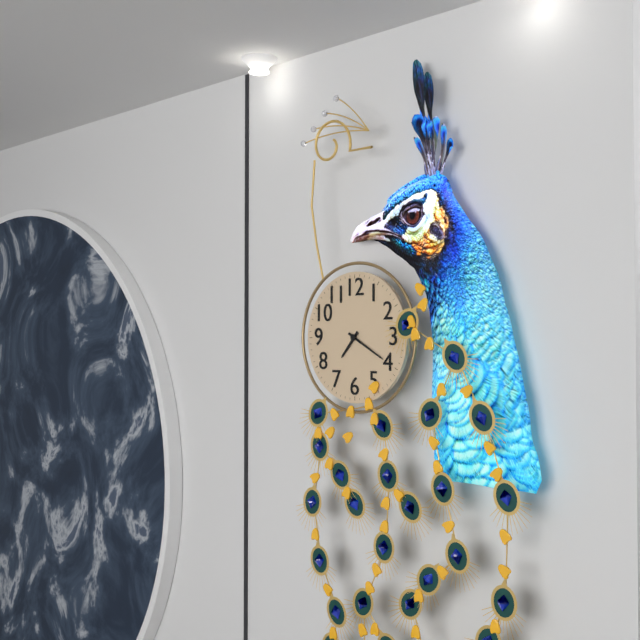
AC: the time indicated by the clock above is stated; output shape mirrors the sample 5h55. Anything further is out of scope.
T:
7h20
